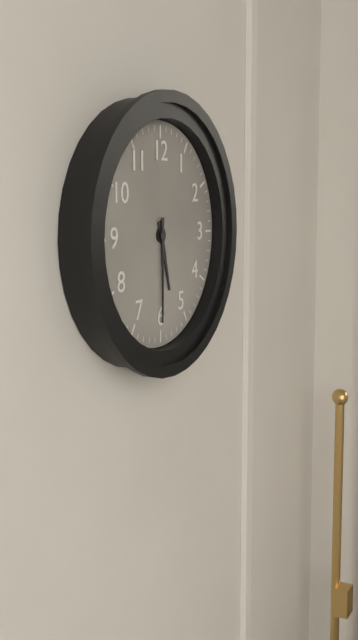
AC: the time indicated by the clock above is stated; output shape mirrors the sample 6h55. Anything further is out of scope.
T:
5h30
